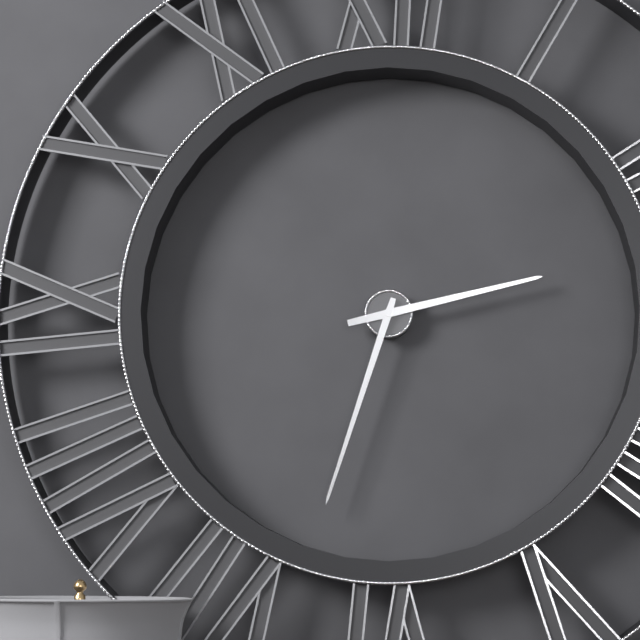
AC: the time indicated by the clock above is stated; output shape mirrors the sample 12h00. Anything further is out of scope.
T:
2h33
